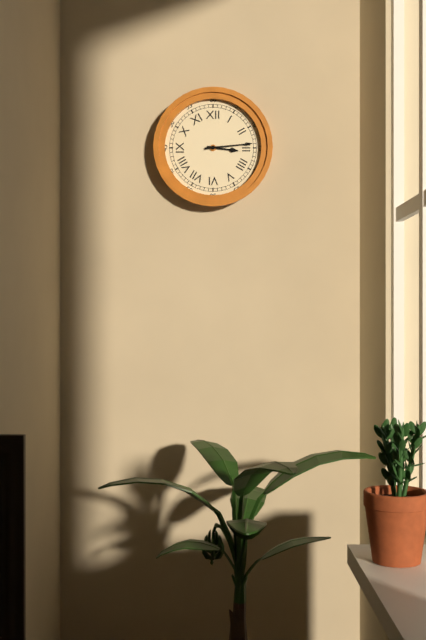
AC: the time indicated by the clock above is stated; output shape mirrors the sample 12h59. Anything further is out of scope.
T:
3h14
